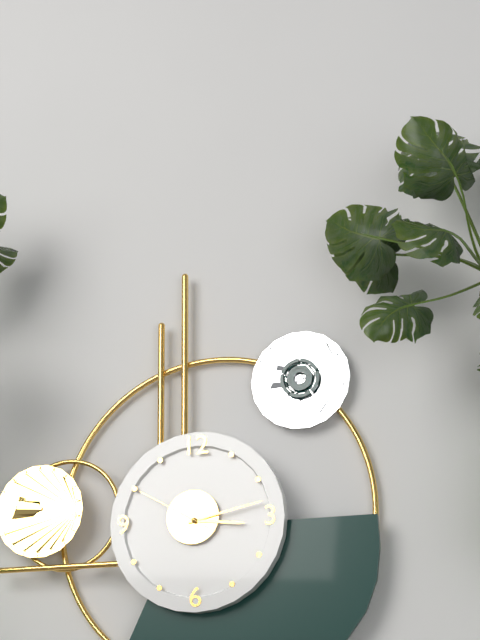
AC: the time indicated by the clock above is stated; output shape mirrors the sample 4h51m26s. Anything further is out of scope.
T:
3h13m50s
